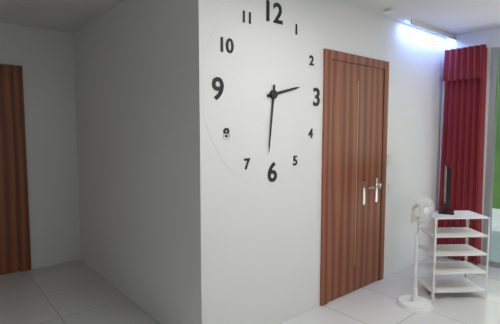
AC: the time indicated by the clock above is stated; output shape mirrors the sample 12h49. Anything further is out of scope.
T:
2h31
